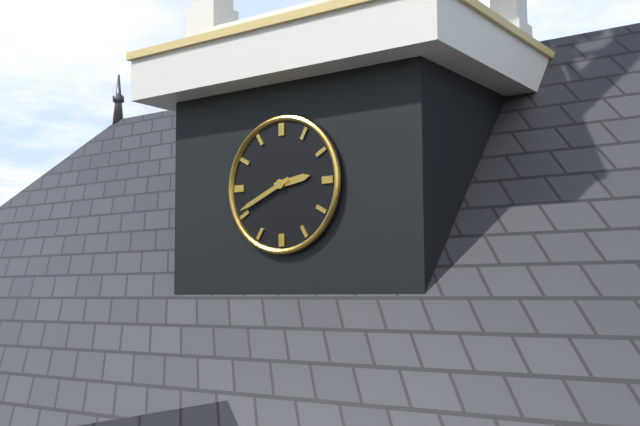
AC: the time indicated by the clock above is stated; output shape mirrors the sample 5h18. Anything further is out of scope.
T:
2h41
